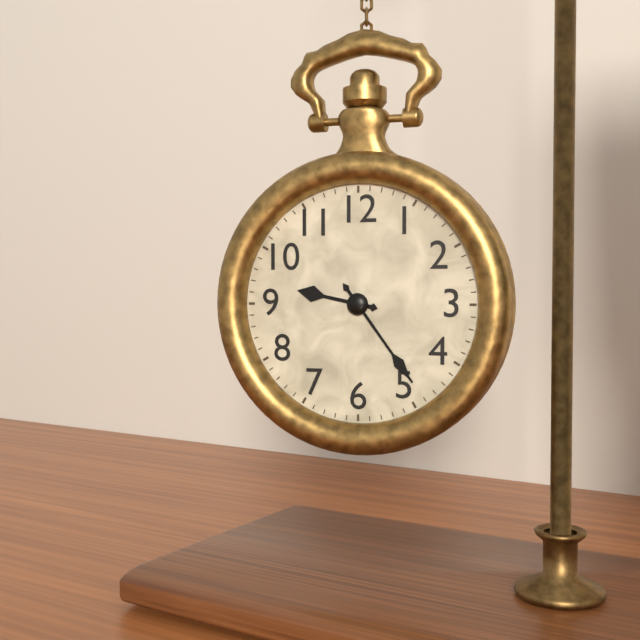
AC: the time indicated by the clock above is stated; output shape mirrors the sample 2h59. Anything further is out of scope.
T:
9h24
